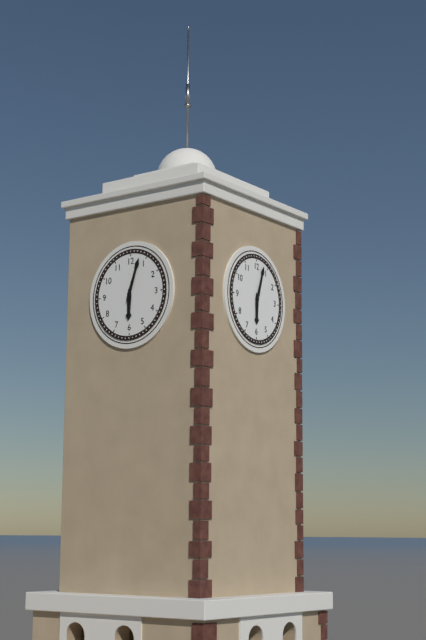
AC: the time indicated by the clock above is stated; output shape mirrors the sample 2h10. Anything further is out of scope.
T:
6h03
